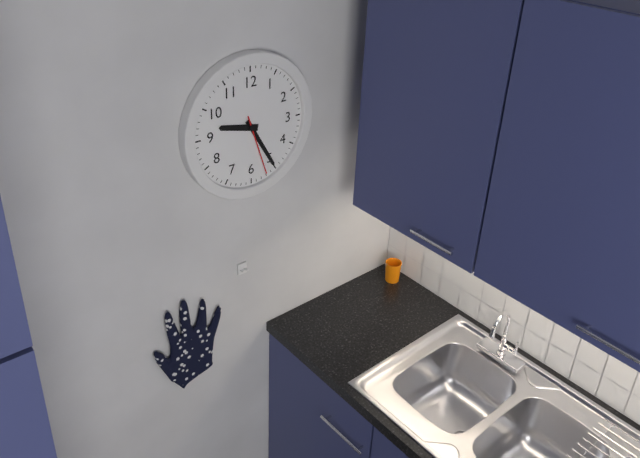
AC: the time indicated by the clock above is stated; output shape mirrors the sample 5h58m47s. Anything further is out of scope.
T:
9h25m27s
